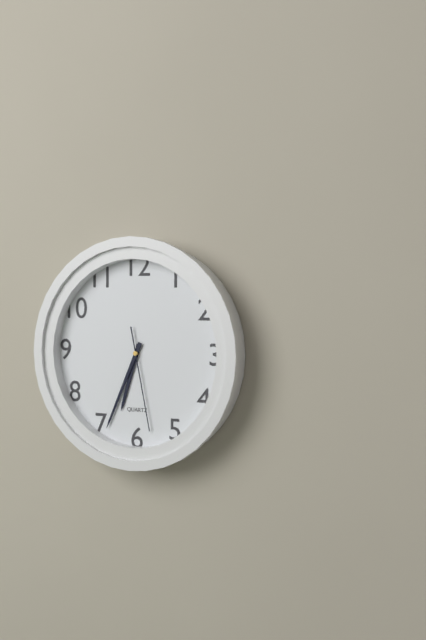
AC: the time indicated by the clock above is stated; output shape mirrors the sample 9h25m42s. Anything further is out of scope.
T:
6h34m28s
